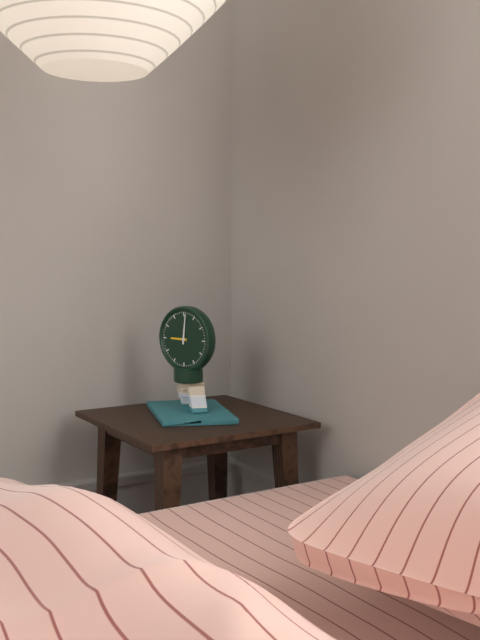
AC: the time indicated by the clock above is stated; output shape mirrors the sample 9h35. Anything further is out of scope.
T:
9h01
